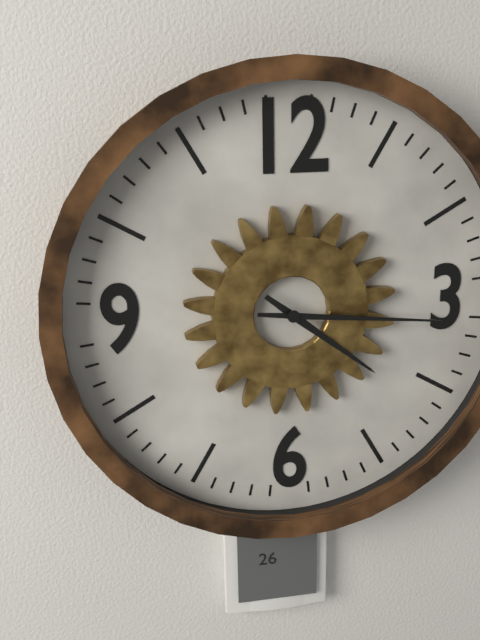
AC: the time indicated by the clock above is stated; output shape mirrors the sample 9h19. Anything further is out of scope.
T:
4h16
